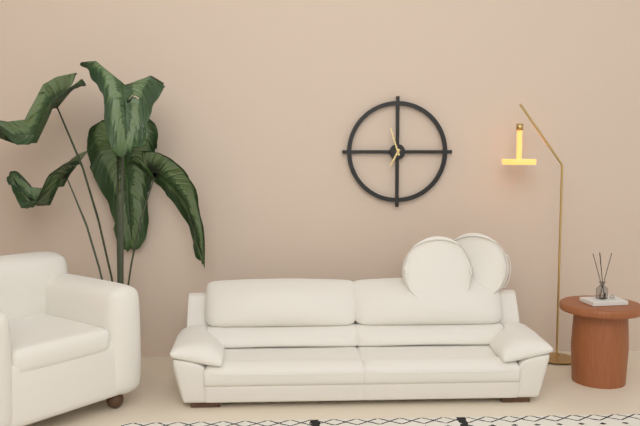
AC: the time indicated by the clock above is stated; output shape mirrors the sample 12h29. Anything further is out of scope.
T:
6h57
